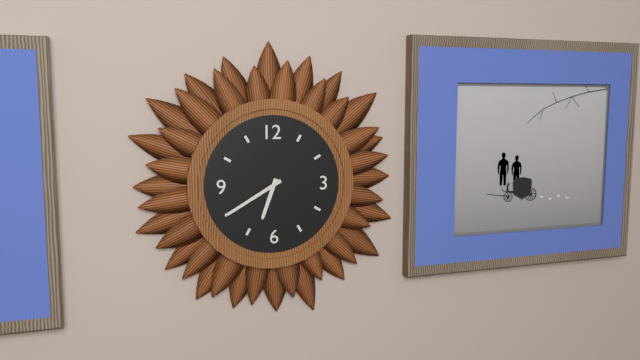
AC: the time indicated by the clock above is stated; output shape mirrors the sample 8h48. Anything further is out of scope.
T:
6h40
